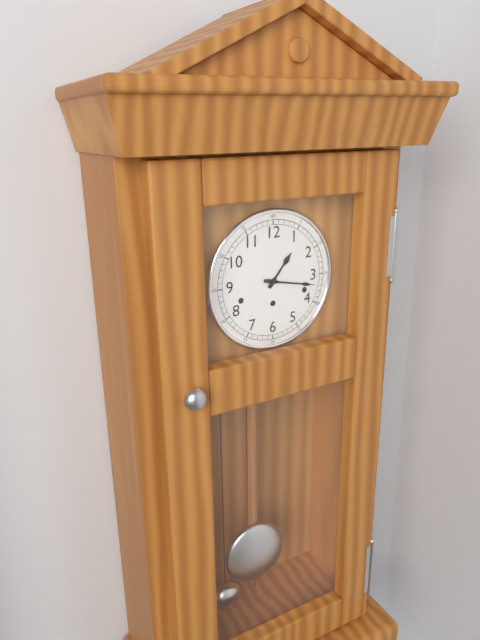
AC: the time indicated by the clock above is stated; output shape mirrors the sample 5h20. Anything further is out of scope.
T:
1h17
